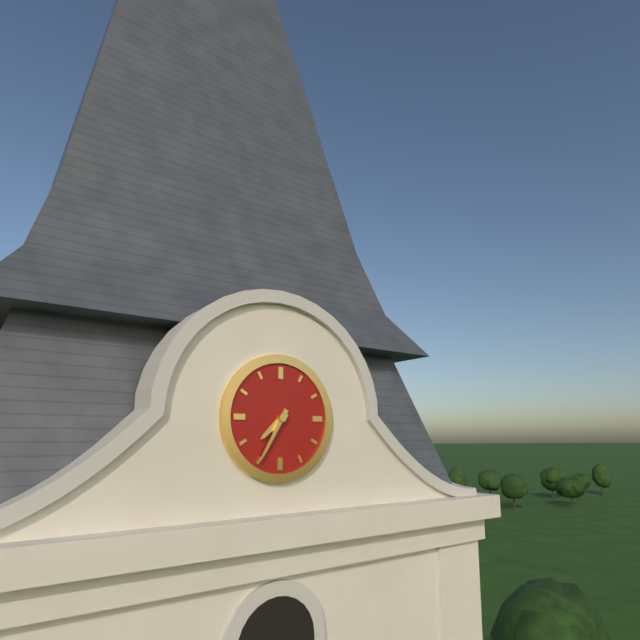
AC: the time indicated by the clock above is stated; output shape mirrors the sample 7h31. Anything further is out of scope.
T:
7h35
